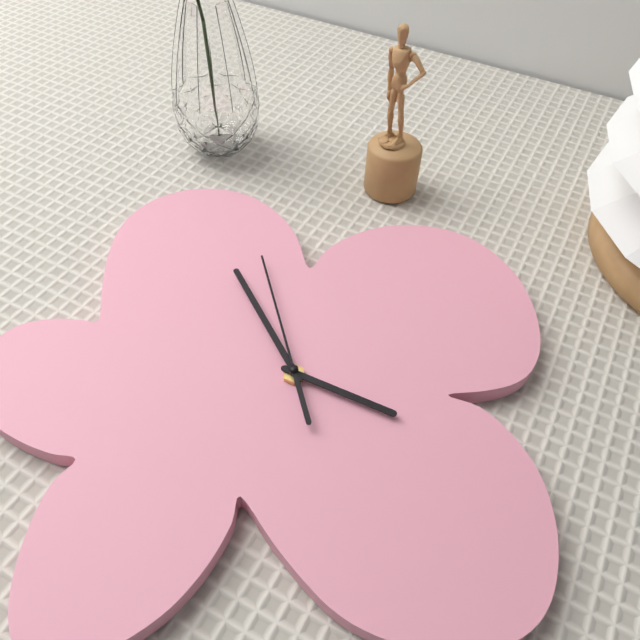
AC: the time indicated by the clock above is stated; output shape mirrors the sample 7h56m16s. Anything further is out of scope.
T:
3h56m58s
